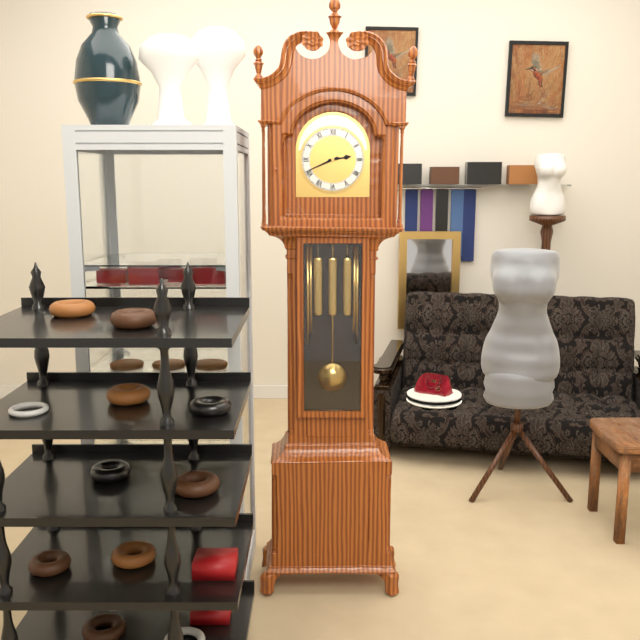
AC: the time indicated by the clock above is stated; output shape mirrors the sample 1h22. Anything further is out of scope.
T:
2h41
